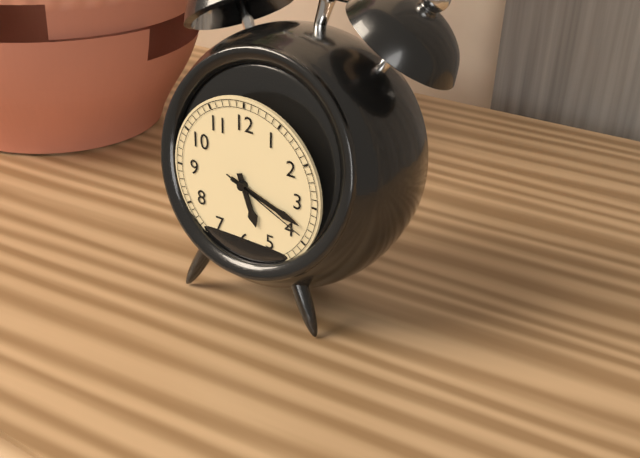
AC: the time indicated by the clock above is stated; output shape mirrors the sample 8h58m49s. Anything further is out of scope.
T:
5h18m19s
